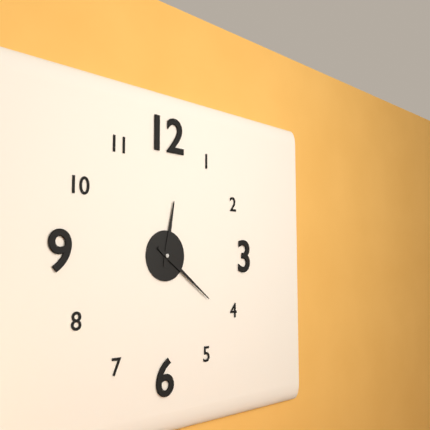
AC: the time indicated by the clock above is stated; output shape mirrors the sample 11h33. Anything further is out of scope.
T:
12h21
